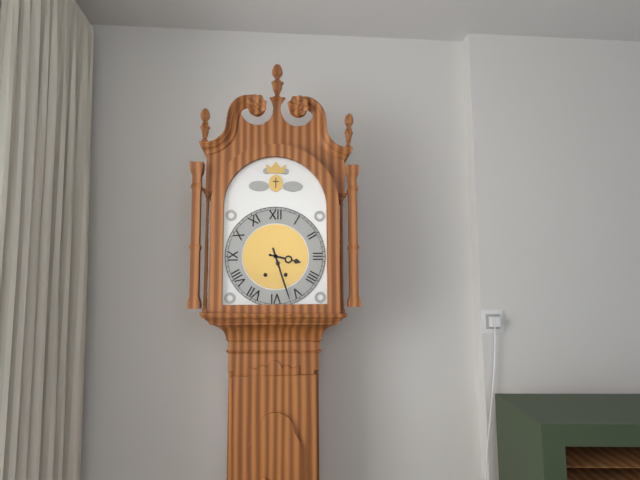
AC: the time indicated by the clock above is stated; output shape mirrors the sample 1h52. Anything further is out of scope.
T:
3h27
